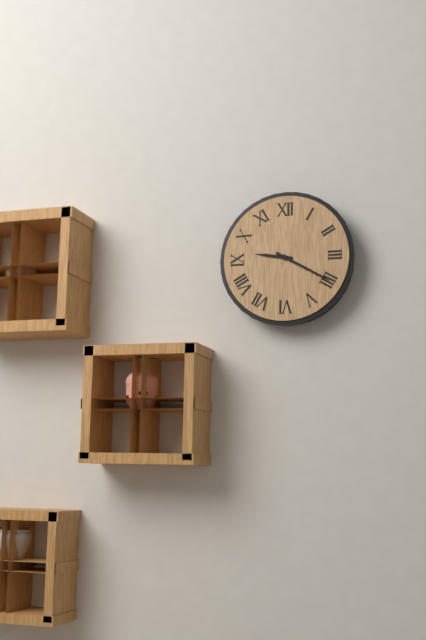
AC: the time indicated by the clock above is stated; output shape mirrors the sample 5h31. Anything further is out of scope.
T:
9h20
